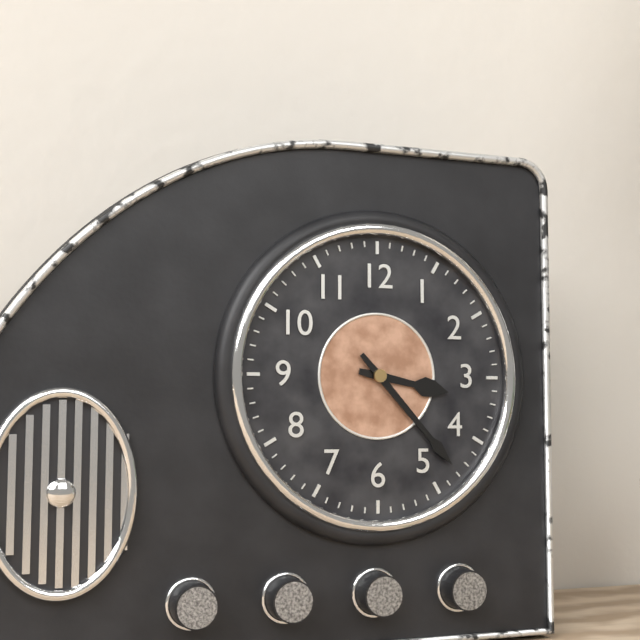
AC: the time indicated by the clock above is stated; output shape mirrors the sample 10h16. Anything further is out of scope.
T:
3h23
